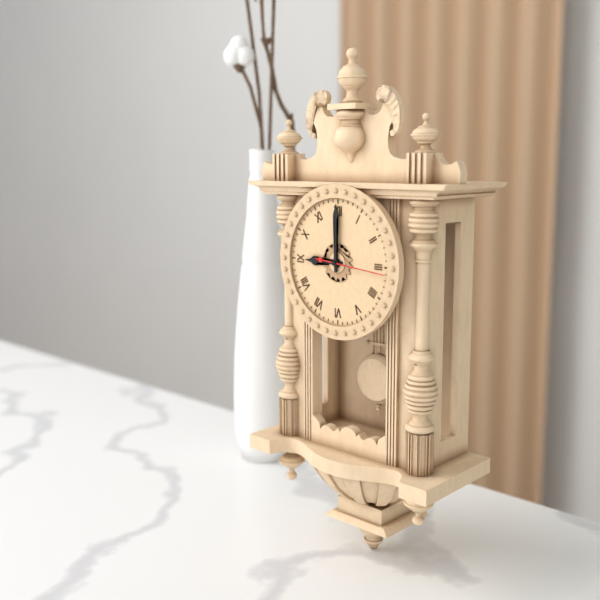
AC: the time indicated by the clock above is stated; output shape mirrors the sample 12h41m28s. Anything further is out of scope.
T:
9h00m16s
